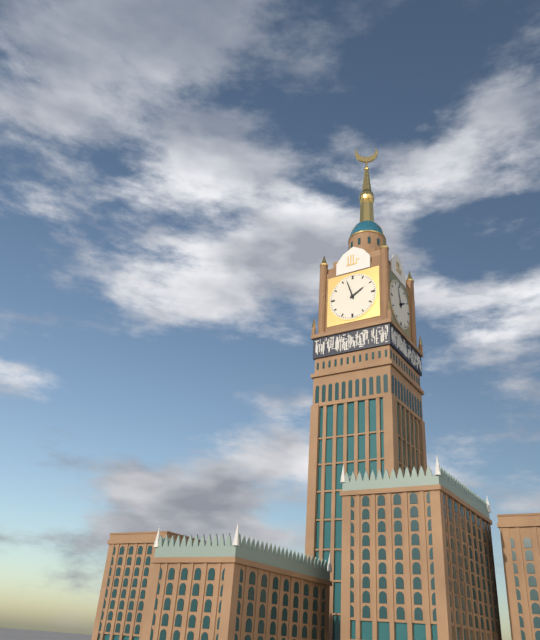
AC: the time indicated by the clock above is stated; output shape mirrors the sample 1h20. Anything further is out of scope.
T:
1h57
